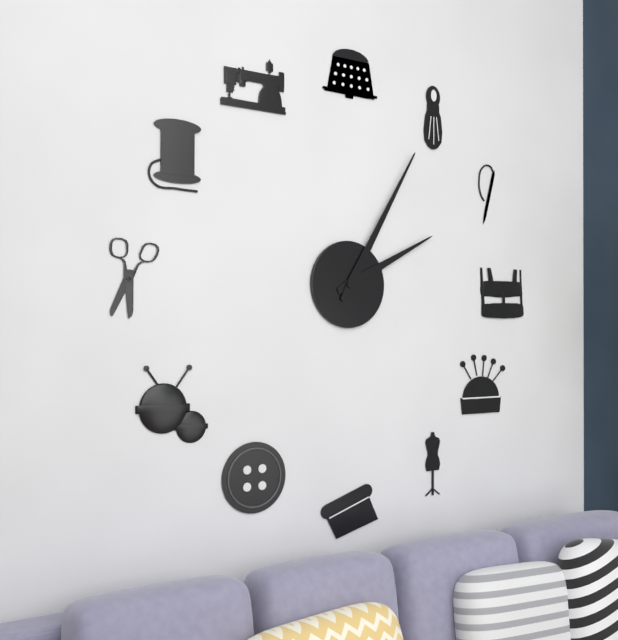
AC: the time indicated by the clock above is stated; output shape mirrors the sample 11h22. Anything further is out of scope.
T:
2h05
